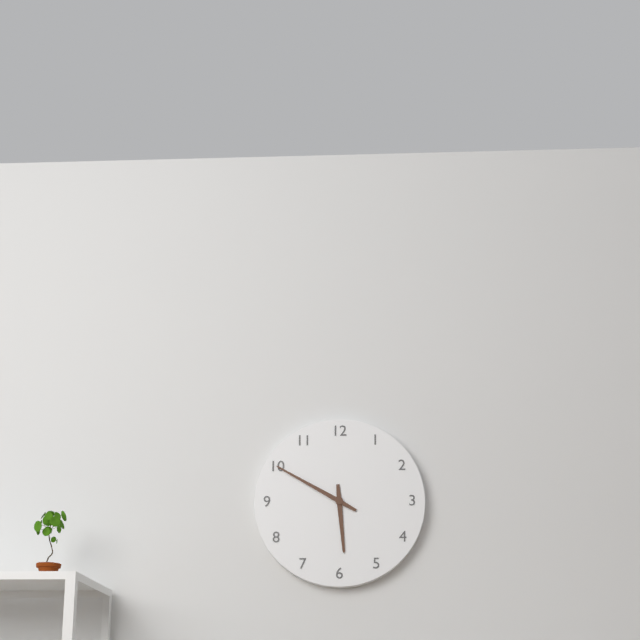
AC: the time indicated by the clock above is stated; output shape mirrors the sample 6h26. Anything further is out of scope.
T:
5h50
